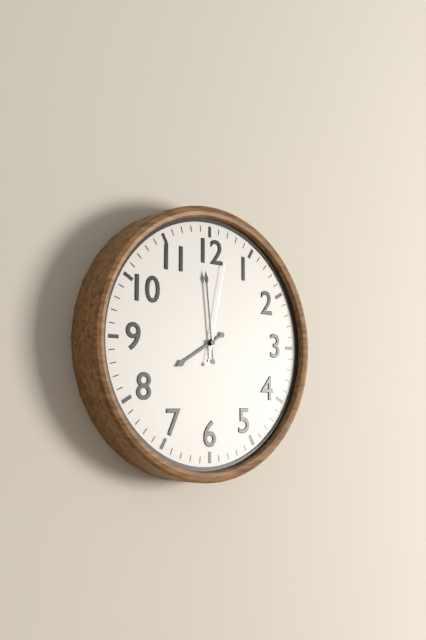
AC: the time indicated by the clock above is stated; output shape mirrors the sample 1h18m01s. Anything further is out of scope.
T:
7h59m02s
